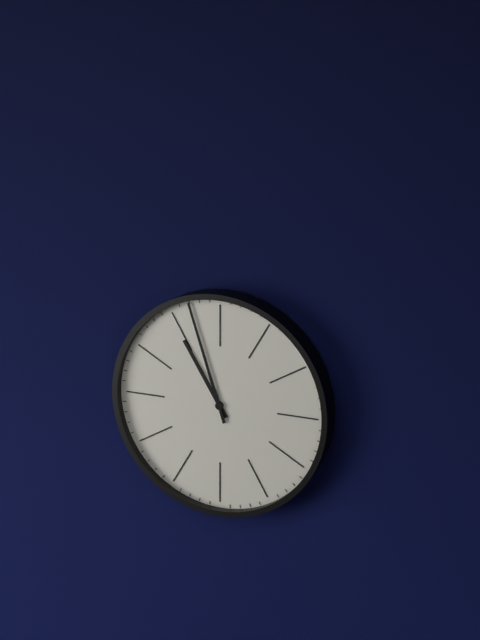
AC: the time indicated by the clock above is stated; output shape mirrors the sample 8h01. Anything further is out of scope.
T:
10h57
